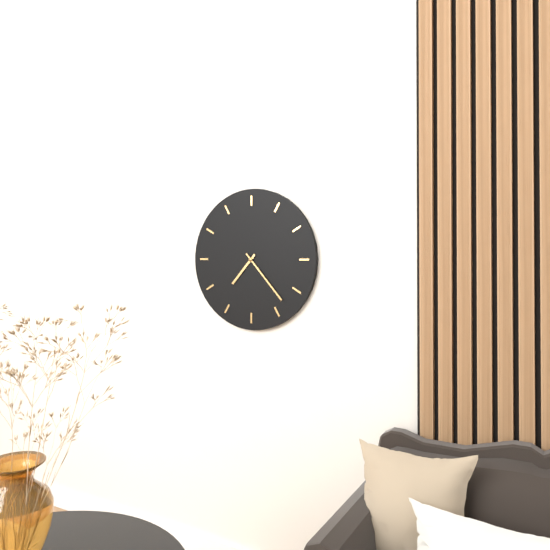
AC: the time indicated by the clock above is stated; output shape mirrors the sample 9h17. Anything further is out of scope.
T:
7h23
